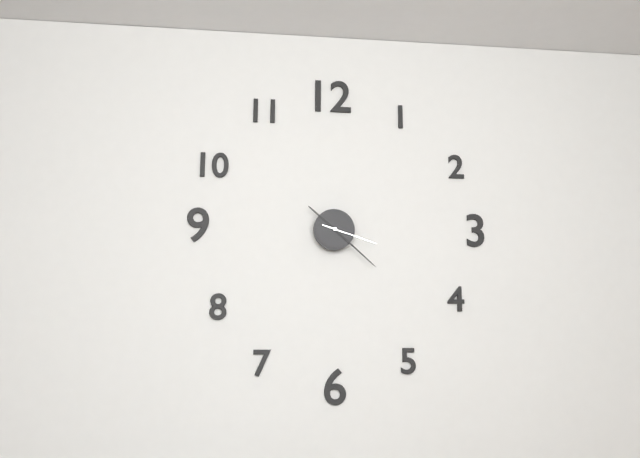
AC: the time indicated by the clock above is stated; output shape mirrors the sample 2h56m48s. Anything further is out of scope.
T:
10h22m18s
